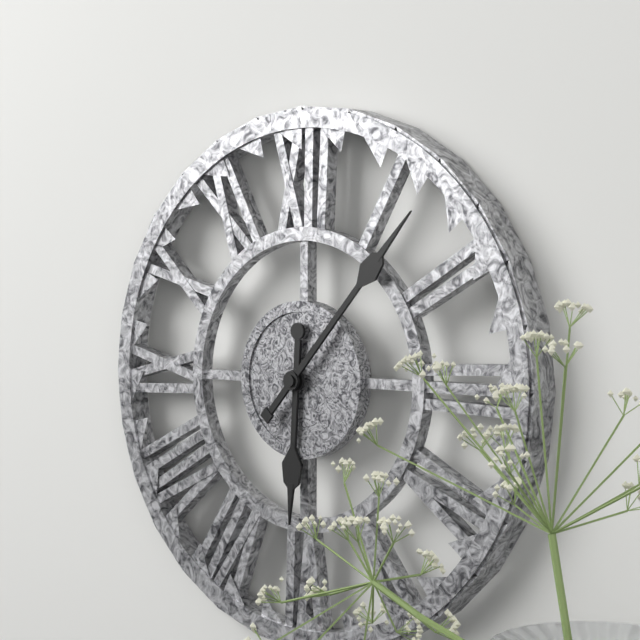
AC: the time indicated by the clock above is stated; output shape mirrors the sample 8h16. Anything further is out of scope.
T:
6h07
